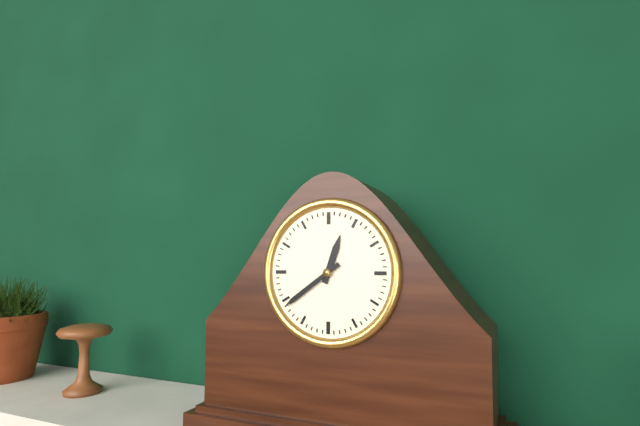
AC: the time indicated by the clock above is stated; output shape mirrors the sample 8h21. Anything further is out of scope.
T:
12h39
